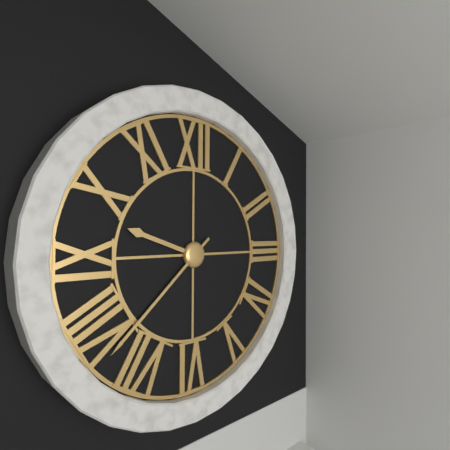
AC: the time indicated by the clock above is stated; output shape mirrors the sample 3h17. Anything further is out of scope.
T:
9h38
